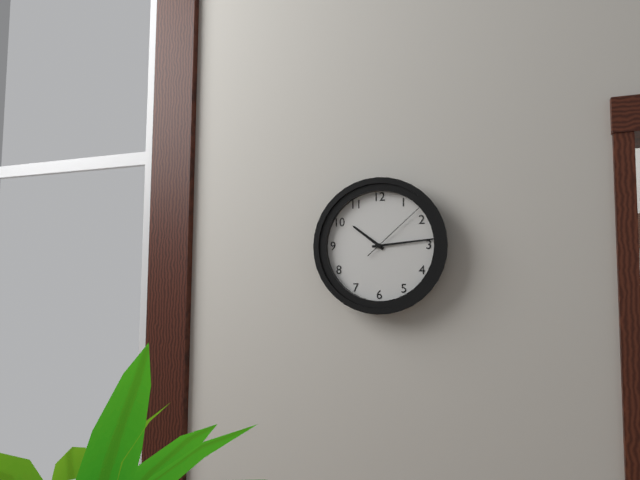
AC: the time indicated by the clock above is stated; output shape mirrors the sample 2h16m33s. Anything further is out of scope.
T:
10h14m08s
